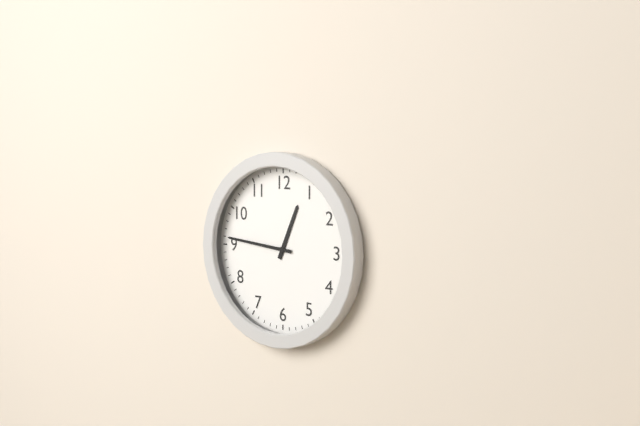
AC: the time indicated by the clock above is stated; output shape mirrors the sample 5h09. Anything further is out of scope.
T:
12h46
